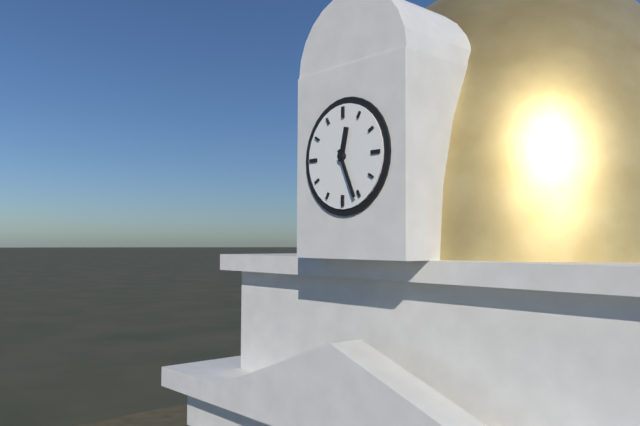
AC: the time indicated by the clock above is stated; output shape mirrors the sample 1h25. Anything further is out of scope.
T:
12h26
